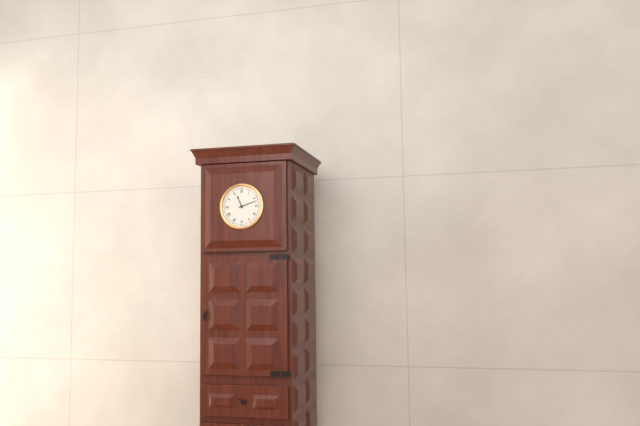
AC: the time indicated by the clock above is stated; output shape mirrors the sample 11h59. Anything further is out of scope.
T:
11h12
